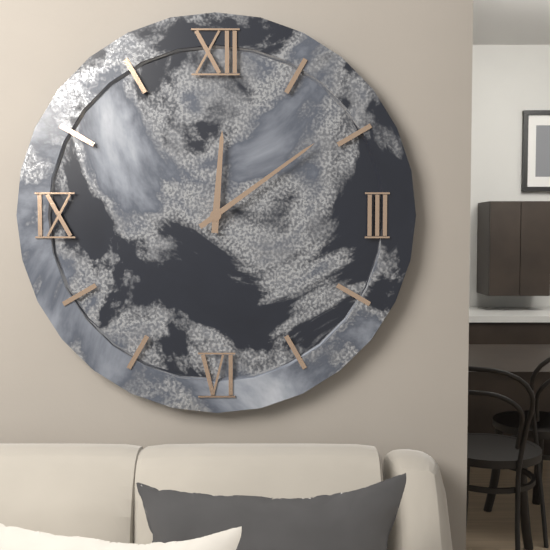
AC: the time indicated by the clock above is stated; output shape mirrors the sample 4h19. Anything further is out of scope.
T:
12h09
